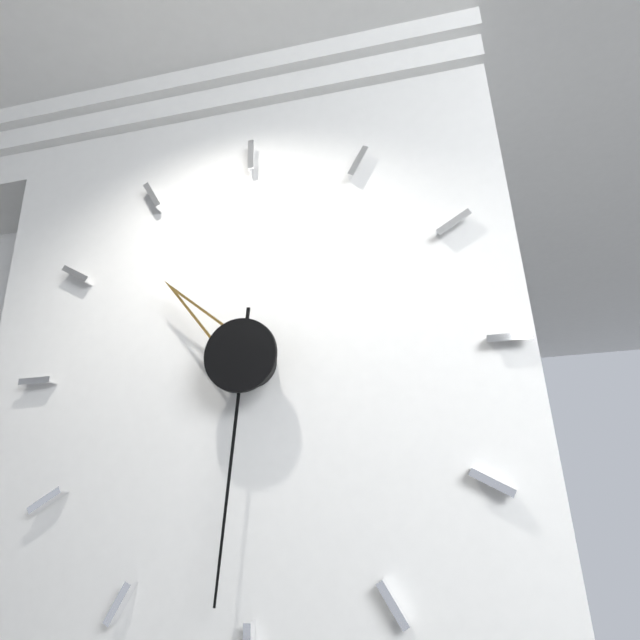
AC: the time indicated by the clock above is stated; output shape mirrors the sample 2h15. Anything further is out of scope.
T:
10h31
